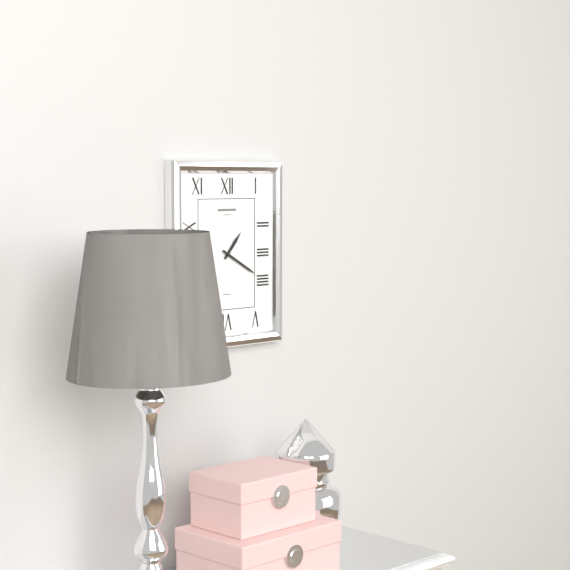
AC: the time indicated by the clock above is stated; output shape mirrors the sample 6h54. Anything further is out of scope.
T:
1h20
